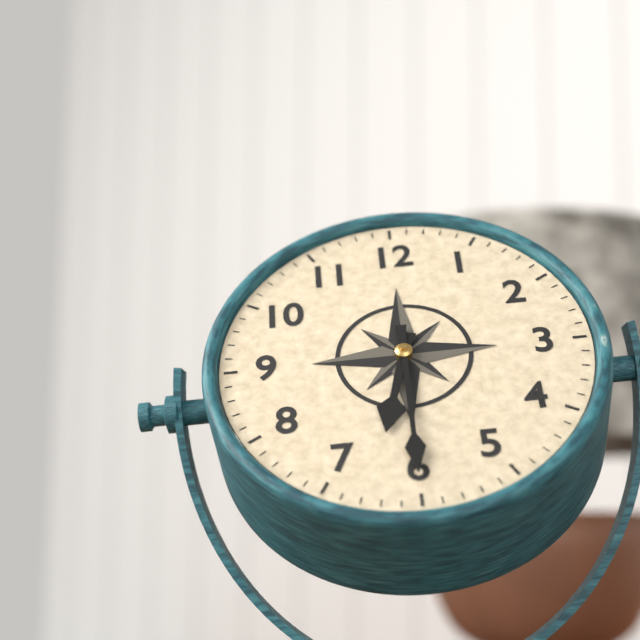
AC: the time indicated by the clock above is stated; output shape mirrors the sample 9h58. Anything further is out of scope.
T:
6h30
